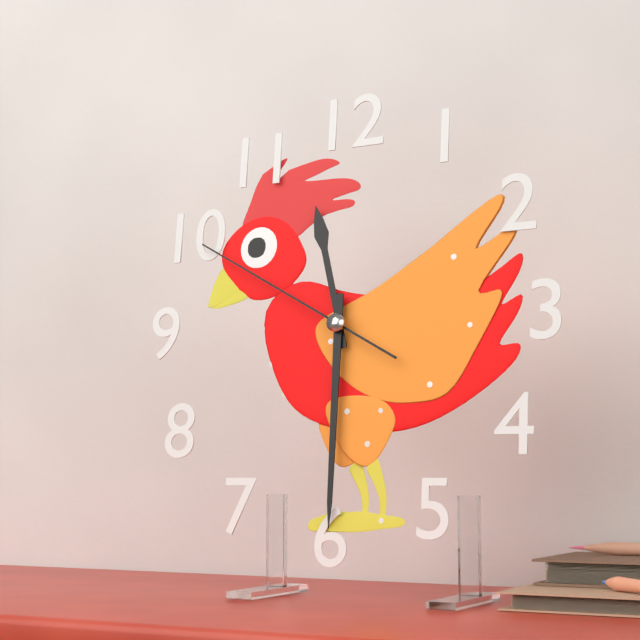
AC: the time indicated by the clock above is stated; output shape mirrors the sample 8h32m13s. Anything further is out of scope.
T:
11h30m50s
